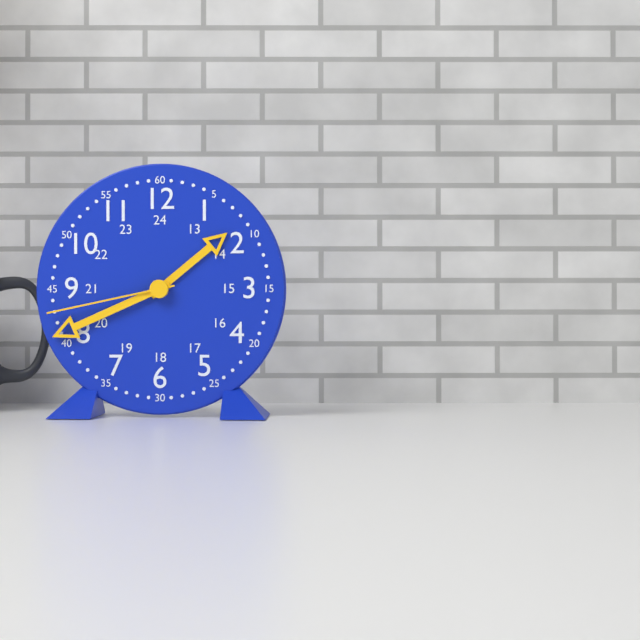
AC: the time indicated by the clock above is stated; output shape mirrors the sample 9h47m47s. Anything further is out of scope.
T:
1h41m43s
